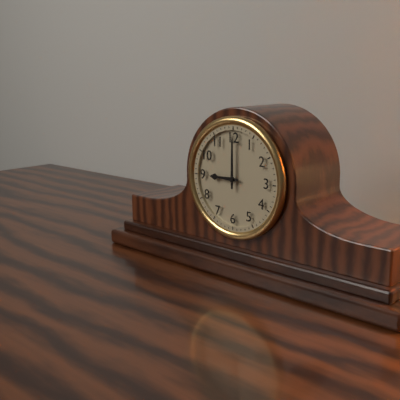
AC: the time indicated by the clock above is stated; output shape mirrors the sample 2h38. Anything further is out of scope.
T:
9h00
